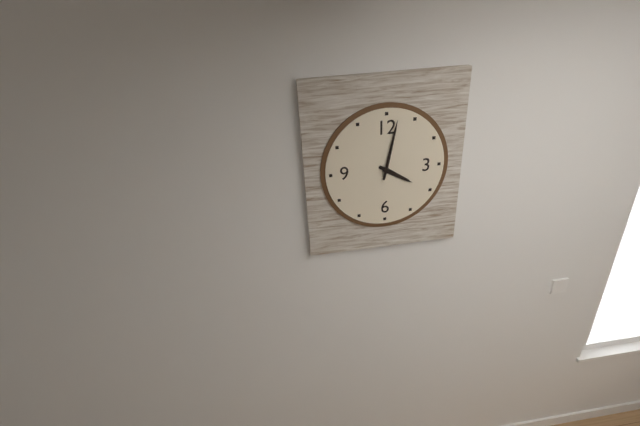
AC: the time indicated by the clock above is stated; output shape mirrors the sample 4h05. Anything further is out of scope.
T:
4h02
